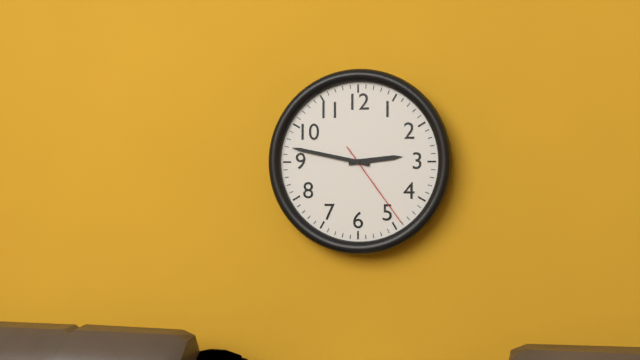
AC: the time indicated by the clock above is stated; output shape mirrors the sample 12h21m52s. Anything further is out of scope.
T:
2h47m24s
